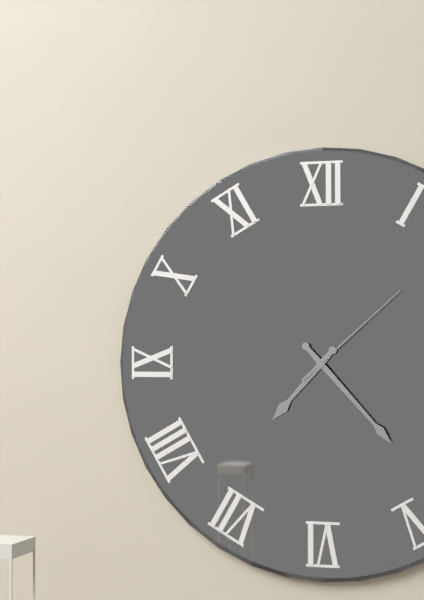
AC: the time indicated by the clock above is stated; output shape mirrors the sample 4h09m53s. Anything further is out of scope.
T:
7h23m08s
